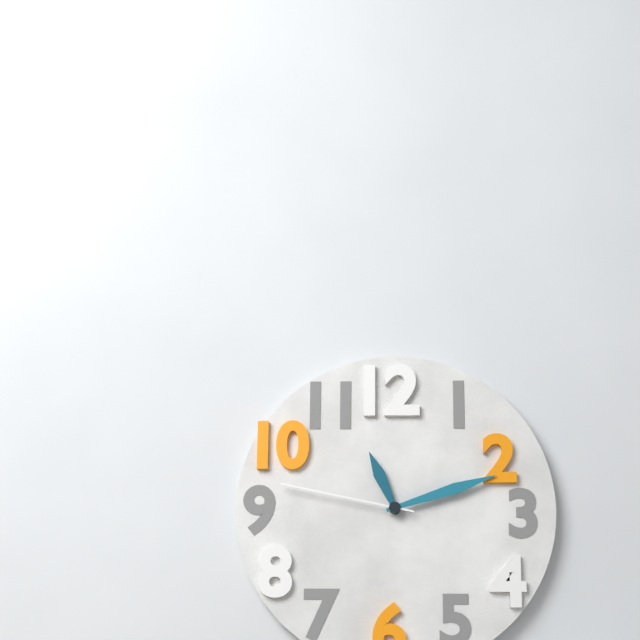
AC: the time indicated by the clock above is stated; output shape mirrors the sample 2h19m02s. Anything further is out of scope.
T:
11h12m47s
